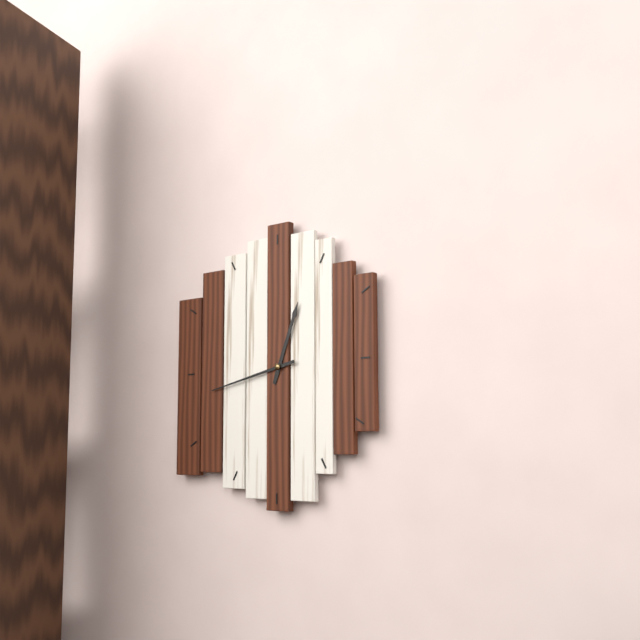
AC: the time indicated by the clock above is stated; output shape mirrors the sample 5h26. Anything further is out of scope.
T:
12h43
